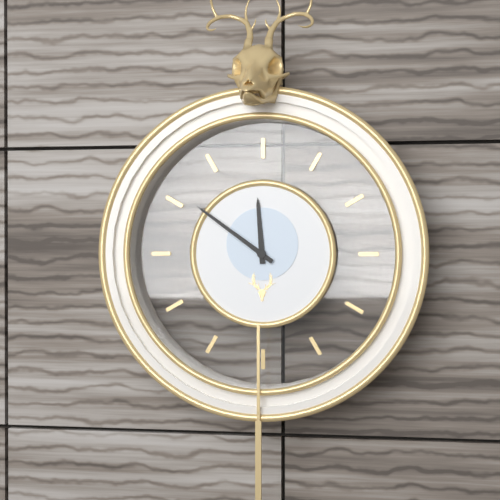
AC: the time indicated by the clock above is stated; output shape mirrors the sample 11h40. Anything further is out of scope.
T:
11h51
